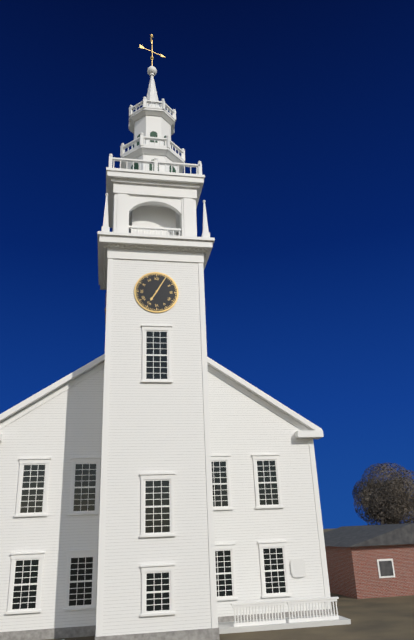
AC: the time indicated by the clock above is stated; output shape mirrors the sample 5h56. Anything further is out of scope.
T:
7h05
